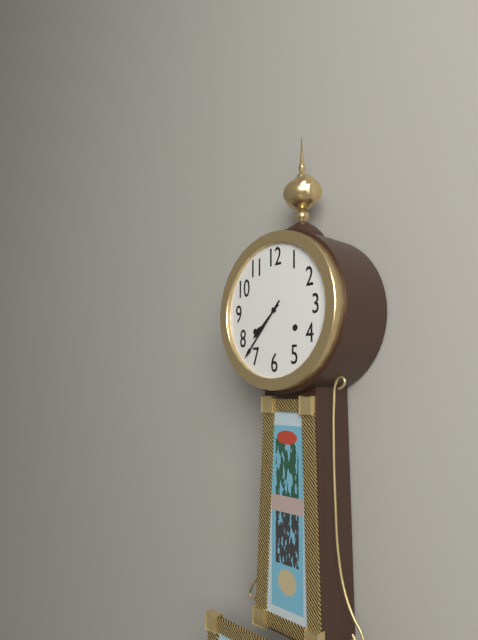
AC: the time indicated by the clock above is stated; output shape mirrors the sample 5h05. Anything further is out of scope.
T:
7h37
